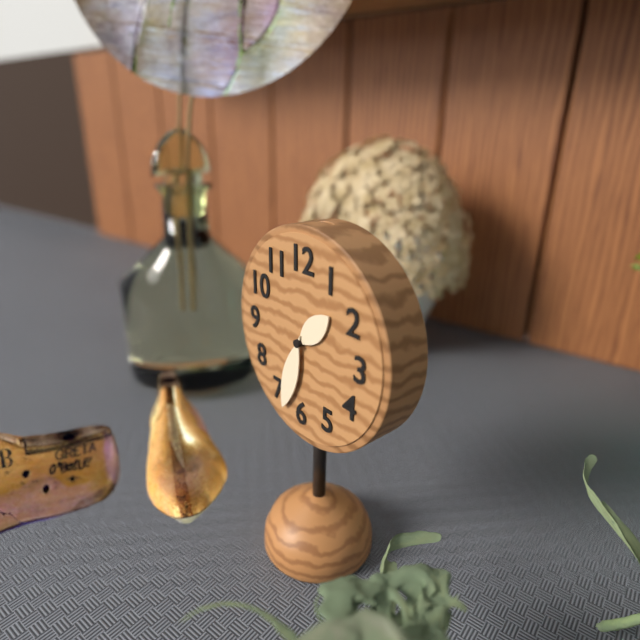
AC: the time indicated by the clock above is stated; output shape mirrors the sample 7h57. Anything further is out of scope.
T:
1h33
